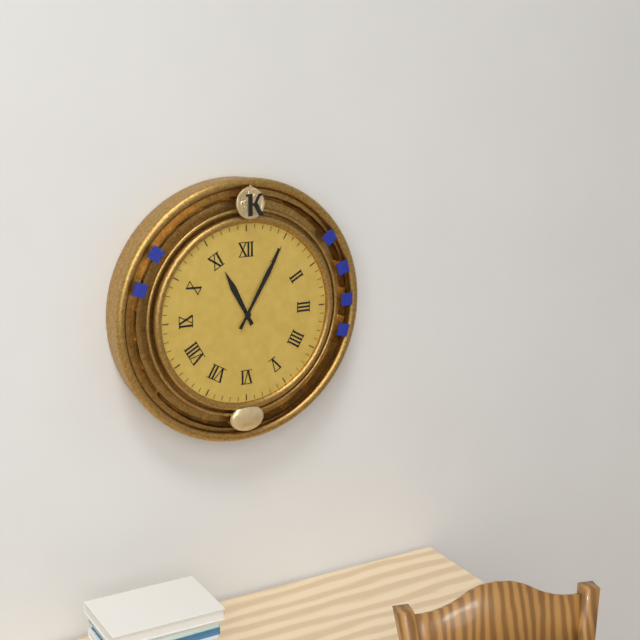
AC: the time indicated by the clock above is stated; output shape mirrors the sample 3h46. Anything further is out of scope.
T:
11h05
